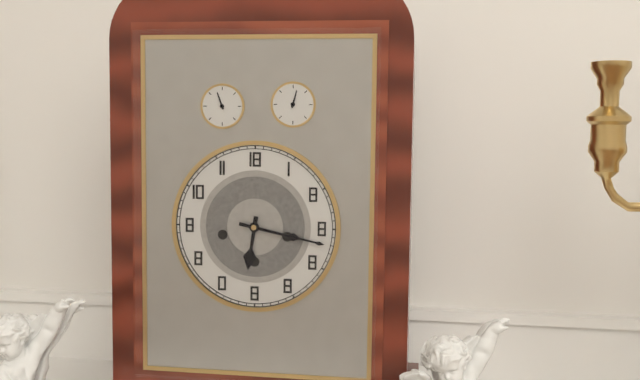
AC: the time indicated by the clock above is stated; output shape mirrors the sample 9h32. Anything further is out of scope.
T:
6h17
